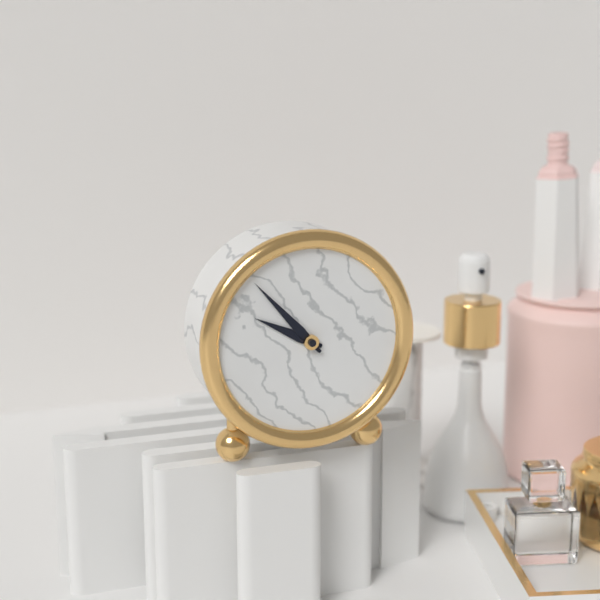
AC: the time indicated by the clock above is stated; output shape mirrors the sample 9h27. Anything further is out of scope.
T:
9h53
